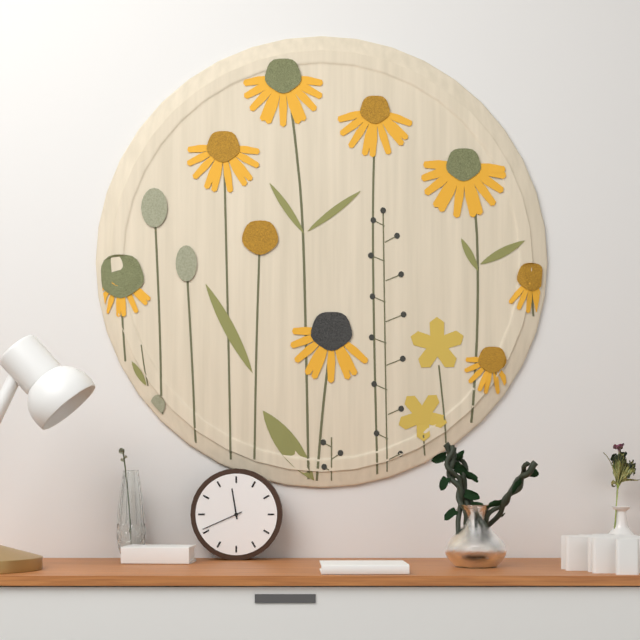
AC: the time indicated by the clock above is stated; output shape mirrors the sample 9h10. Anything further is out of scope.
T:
11h41
